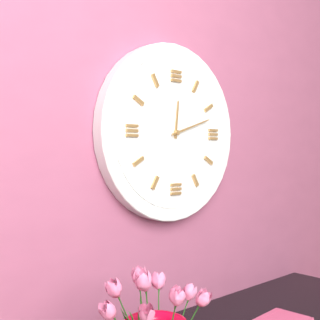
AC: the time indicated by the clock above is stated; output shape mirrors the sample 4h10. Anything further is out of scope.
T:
12h12
